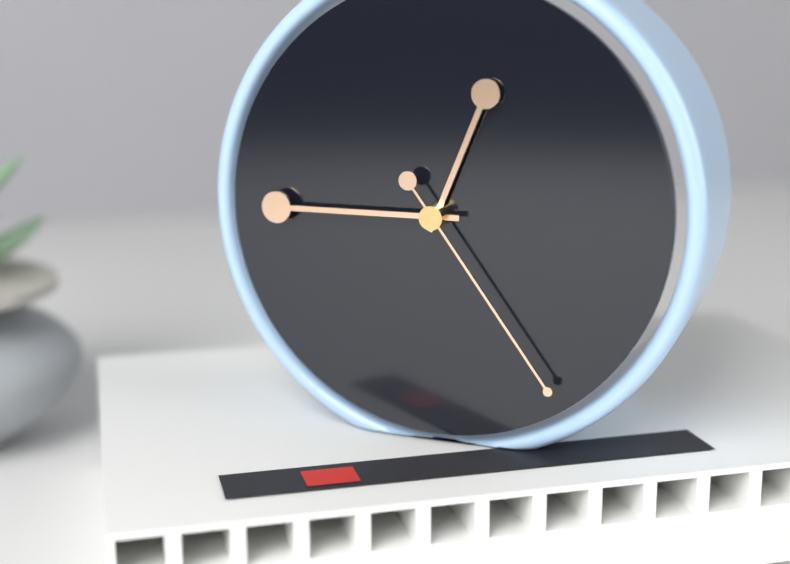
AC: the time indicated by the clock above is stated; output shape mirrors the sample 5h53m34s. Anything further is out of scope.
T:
12h45m24s
